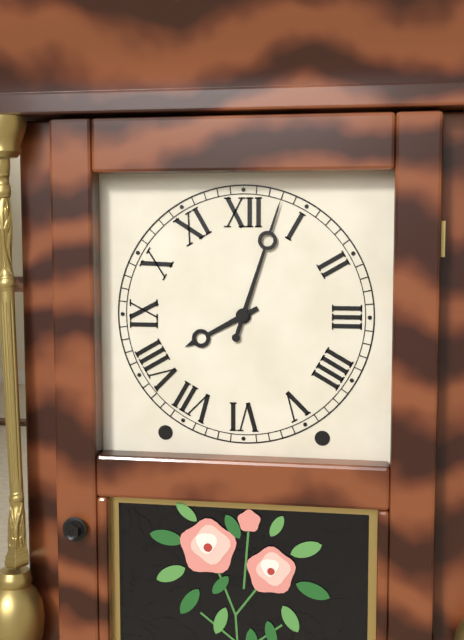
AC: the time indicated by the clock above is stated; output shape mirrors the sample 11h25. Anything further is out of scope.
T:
8h03
